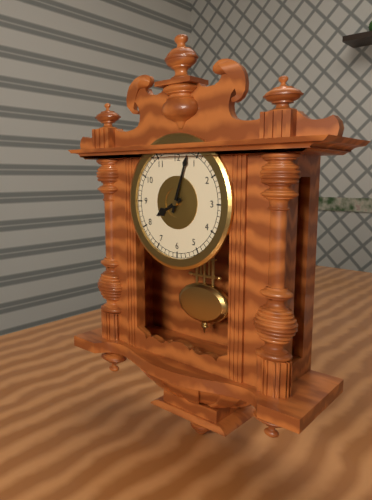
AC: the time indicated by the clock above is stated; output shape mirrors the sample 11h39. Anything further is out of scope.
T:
8h03
